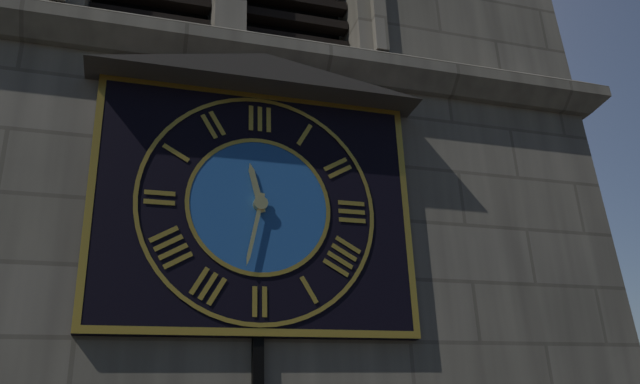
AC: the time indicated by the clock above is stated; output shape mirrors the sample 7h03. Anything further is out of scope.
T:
11h32
